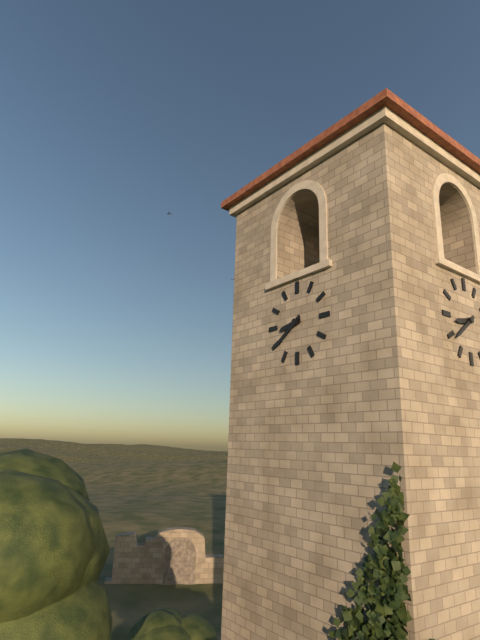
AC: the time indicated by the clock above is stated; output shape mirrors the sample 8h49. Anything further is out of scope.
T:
8h39
